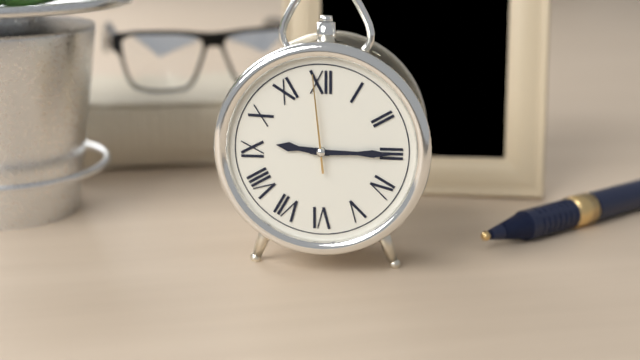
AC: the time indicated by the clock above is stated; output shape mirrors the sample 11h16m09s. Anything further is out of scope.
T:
9h15m59s
